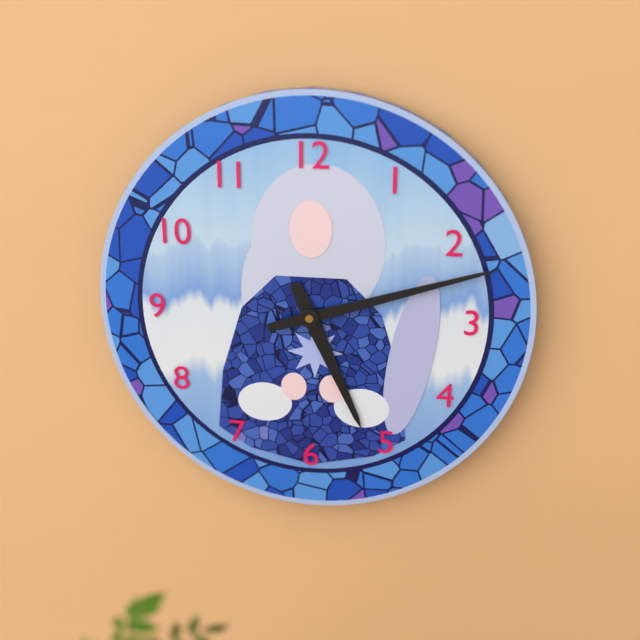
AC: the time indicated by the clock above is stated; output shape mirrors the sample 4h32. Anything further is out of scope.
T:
5h12
